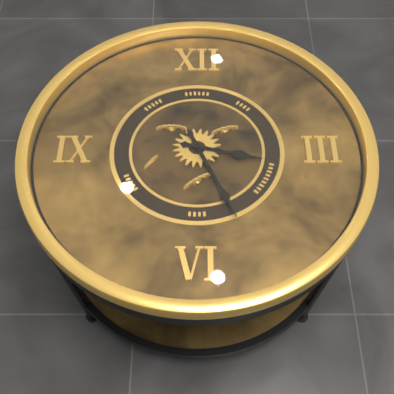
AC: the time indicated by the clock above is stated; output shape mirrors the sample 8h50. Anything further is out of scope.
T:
3h26
